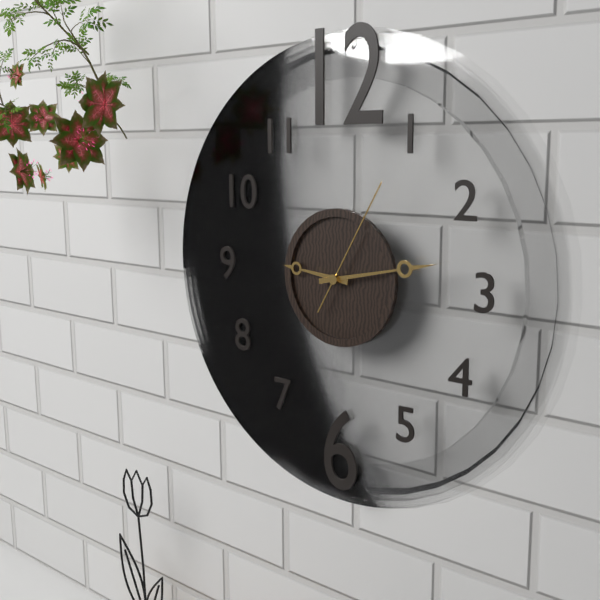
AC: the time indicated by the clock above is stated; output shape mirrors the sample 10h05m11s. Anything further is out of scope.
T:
9h13m05s
